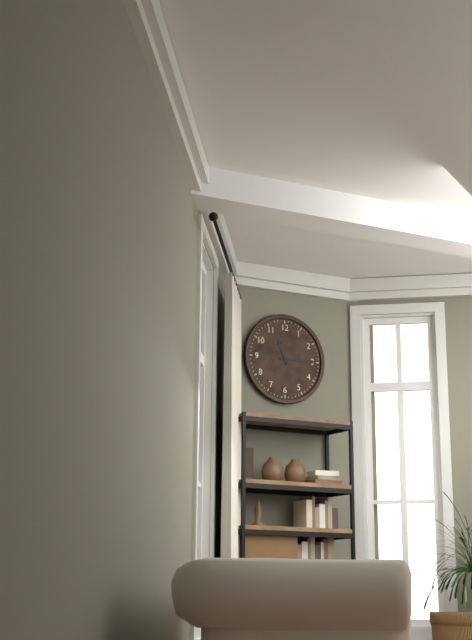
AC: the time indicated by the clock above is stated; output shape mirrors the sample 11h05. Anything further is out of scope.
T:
11h15
